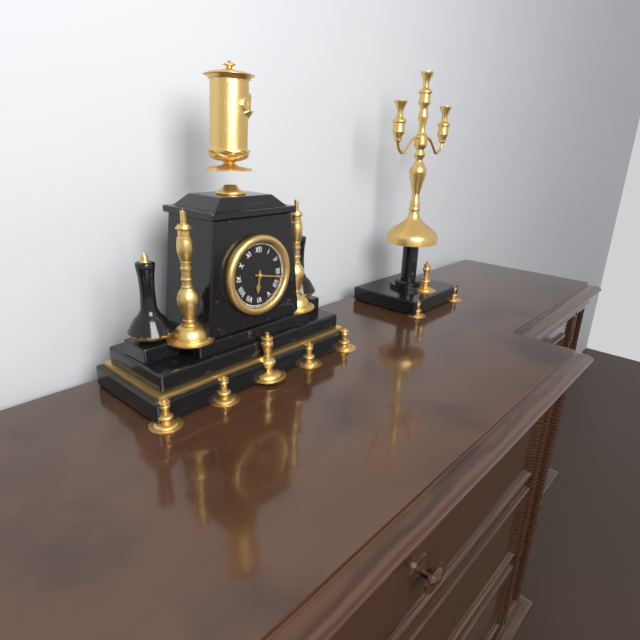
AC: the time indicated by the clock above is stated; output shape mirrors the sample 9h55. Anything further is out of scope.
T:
6h17
